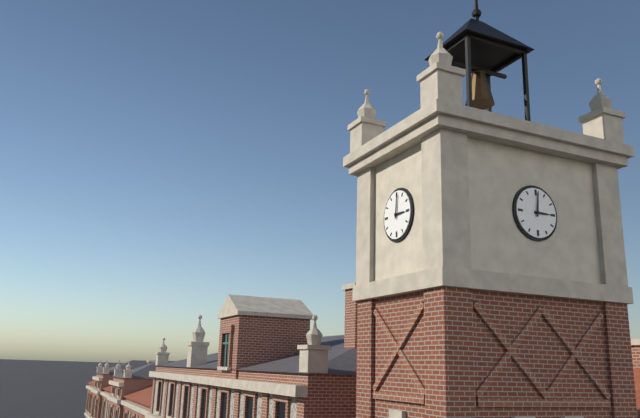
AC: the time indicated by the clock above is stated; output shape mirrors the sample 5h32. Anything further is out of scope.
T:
3h01
